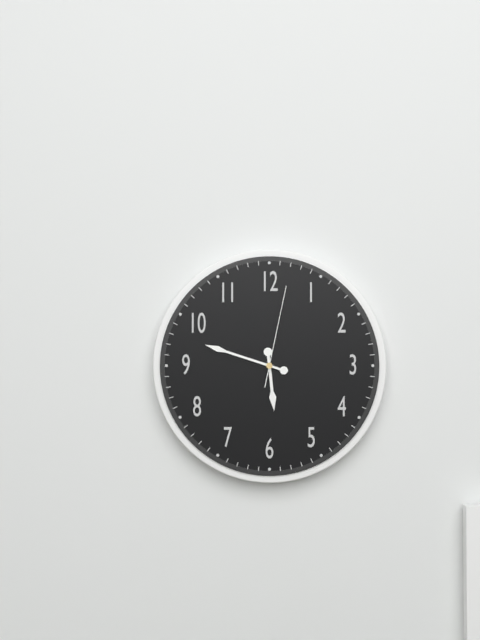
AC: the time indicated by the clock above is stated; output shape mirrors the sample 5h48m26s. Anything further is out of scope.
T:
5h48m02s
